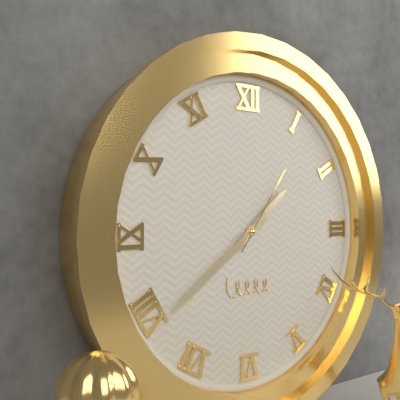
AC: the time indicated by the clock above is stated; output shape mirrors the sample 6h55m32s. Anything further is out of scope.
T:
1h39m06s
